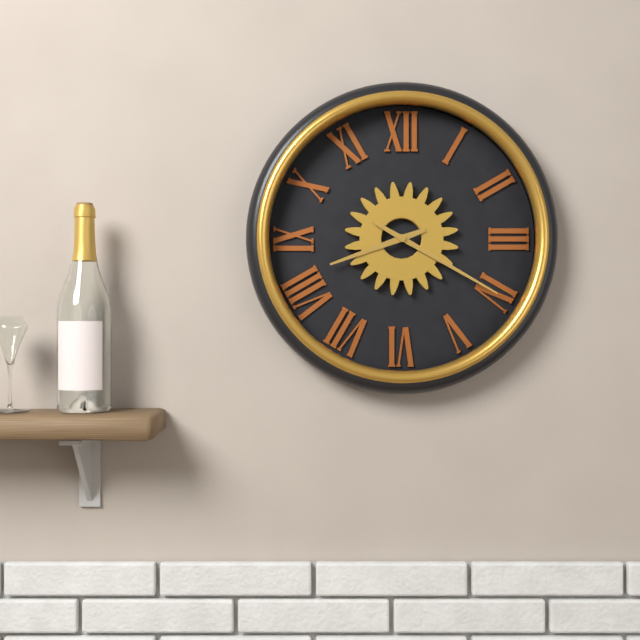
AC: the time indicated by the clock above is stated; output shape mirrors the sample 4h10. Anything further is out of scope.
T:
8h20
